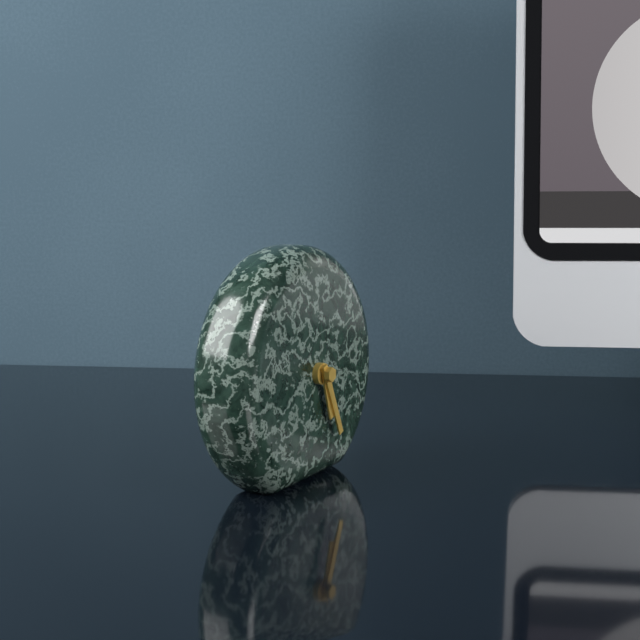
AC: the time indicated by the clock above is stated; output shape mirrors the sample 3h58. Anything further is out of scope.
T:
5h26
